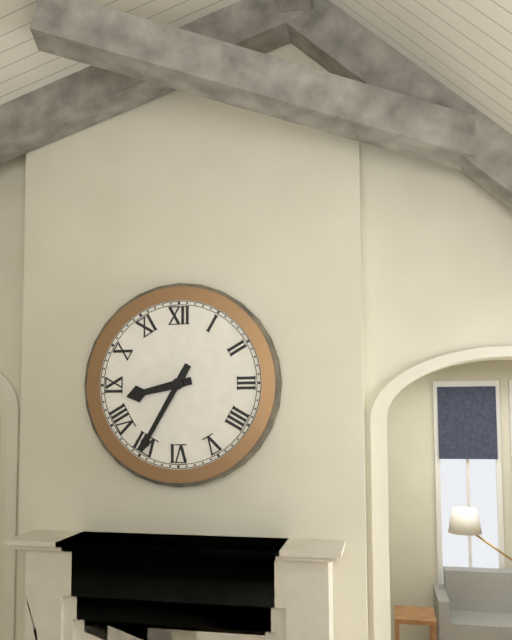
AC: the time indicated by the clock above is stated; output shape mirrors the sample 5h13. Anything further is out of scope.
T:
8h35
